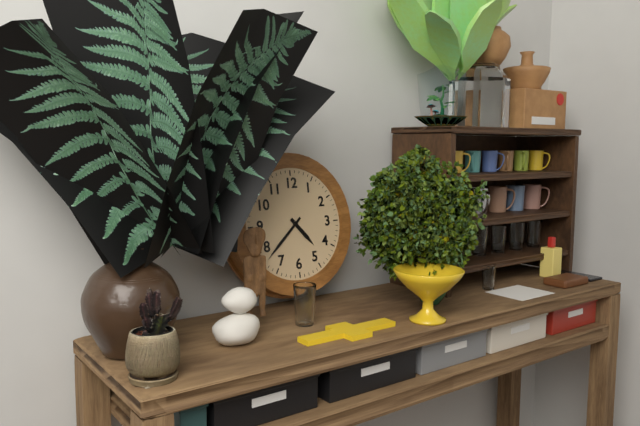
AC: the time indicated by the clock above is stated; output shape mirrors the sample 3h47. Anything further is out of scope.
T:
4h38
